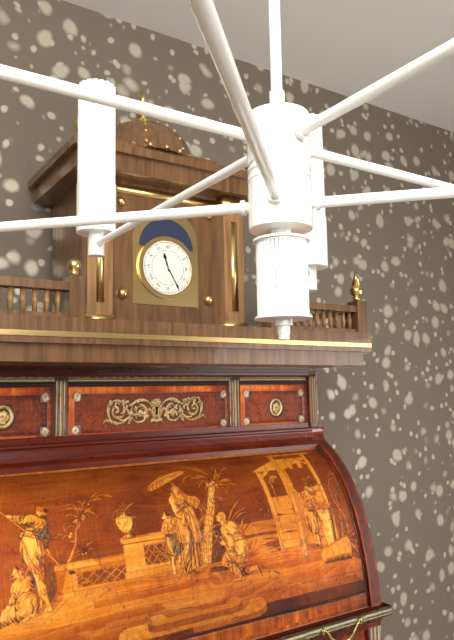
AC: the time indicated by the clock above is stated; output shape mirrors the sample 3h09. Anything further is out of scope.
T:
11h25
